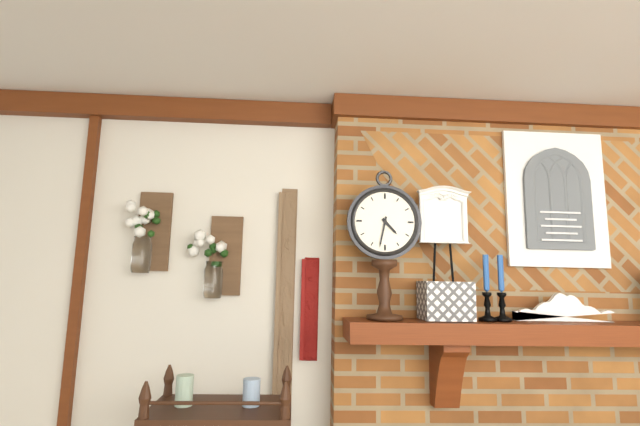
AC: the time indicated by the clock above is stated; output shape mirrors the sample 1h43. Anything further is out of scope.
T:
4h32
